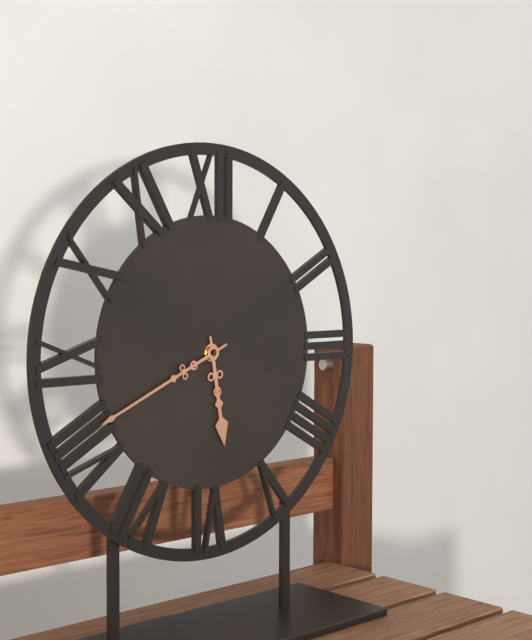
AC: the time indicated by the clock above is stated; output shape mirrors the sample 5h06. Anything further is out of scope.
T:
5h41
